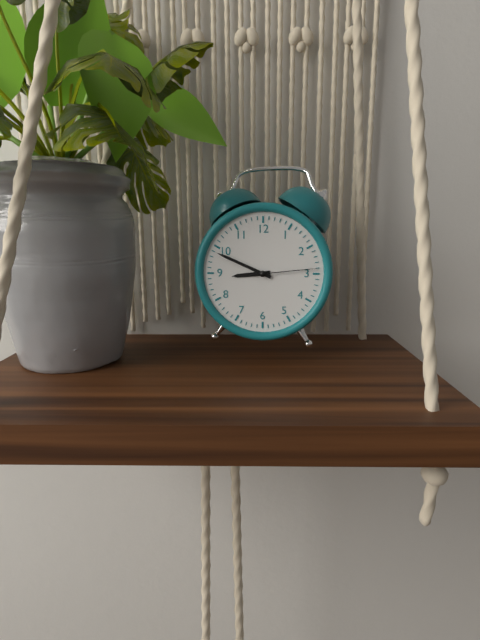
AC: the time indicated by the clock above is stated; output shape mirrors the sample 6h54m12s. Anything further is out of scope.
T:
8h49m14s
